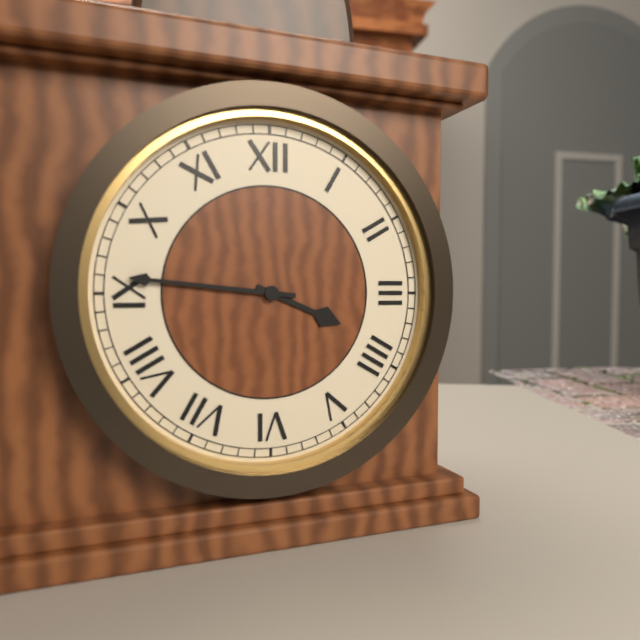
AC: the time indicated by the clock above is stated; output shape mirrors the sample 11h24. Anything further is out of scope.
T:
3h46
